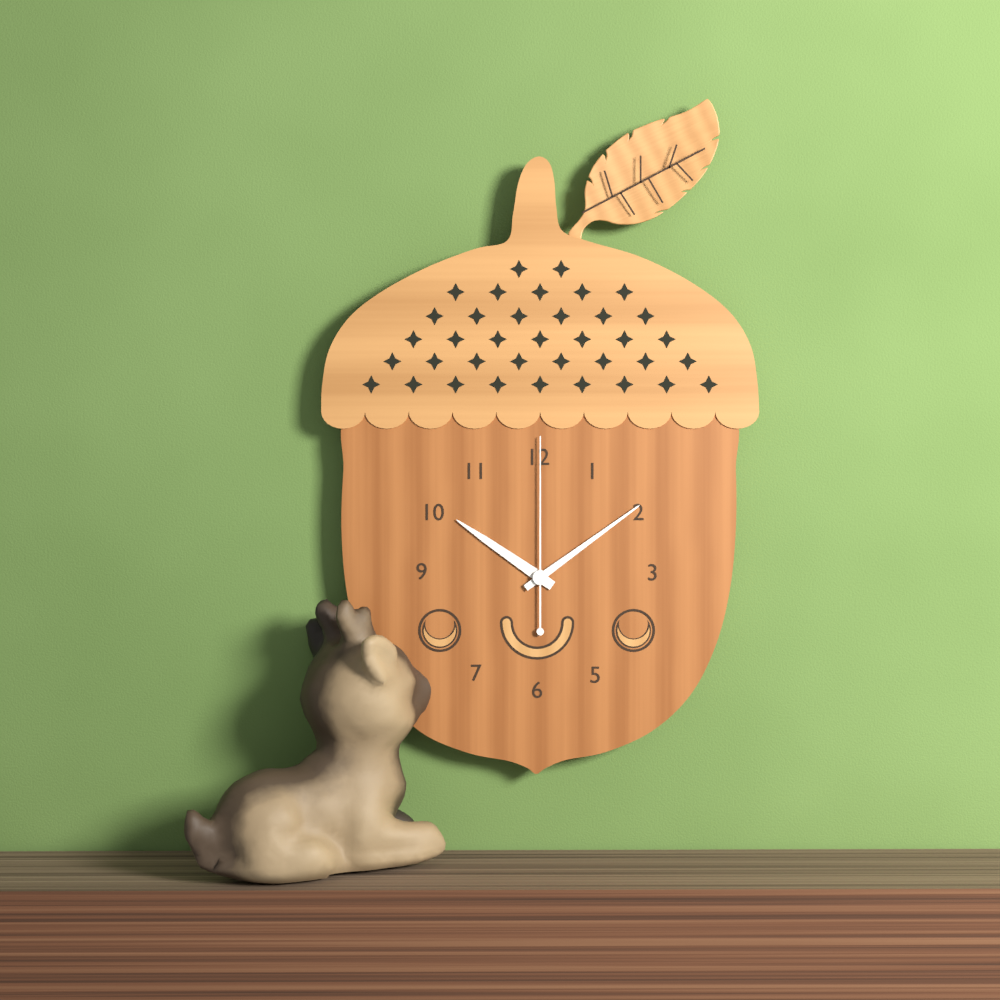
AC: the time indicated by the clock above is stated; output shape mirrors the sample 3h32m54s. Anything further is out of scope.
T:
10h09m00s
